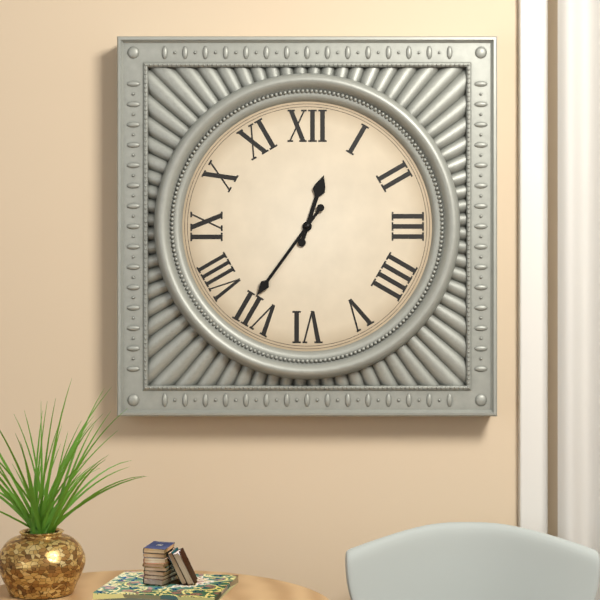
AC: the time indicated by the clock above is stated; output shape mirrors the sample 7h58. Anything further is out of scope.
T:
12h36
